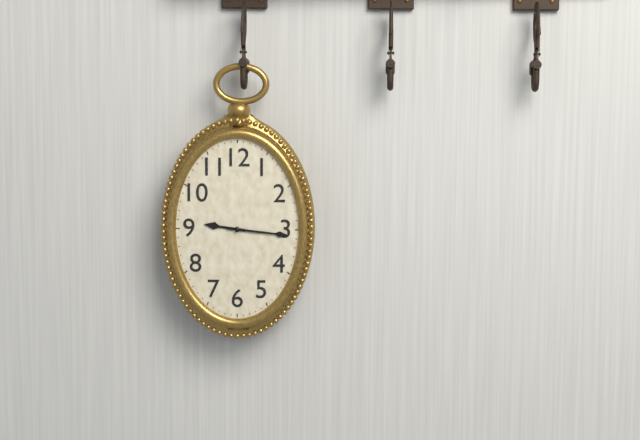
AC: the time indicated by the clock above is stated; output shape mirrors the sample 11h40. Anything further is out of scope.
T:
9h16
